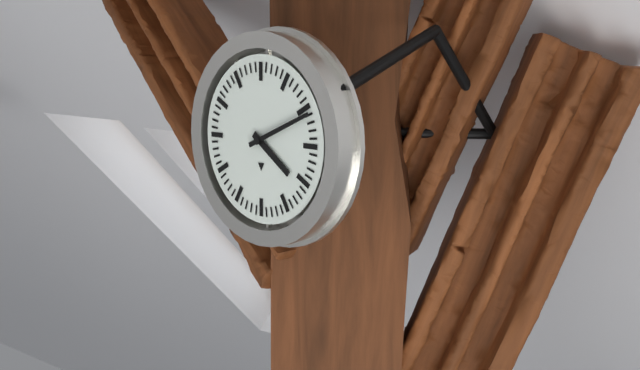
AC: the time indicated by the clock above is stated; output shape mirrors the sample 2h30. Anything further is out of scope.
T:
4h11
